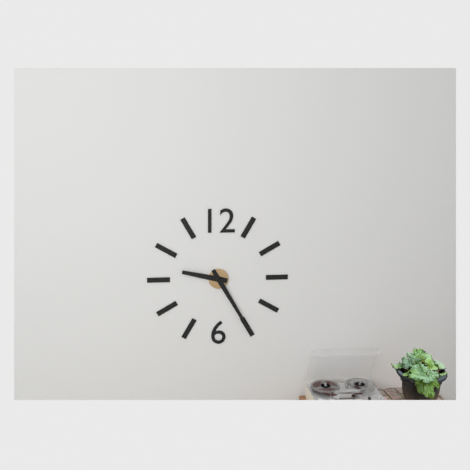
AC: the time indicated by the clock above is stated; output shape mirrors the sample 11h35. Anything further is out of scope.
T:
9h25
